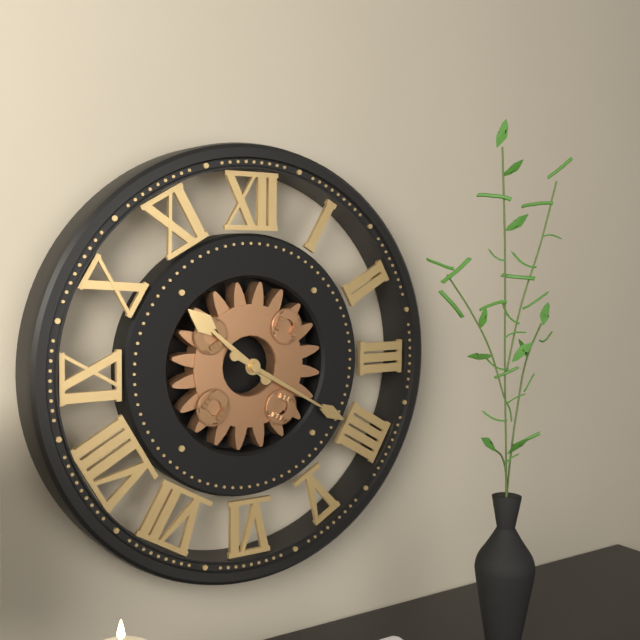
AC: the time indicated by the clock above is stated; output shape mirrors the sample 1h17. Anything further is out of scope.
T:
10h20
